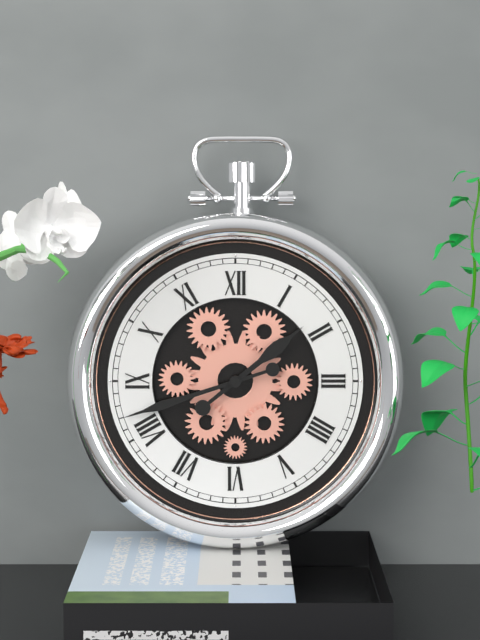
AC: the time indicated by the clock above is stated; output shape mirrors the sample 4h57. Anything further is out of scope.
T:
1h42
